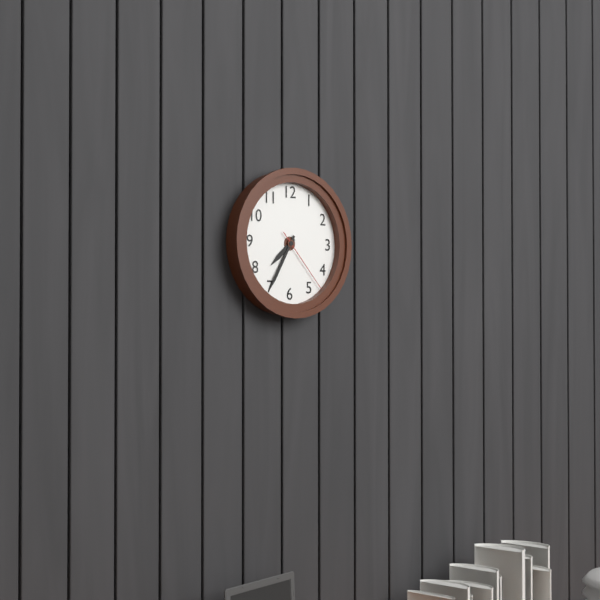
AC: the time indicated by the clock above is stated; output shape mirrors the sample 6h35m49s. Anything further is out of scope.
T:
7h35m23s
